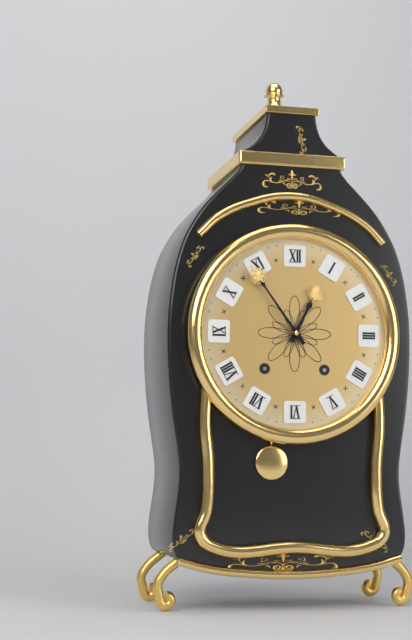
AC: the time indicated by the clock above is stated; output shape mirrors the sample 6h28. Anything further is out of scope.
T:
12h54
